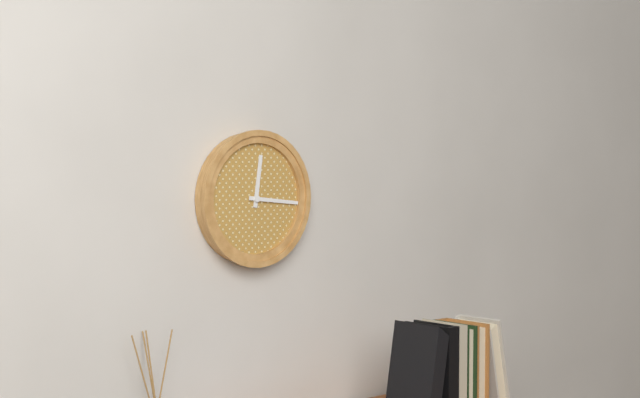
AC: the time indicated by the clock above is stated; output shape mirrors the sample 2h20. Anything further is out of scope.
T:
12h16
